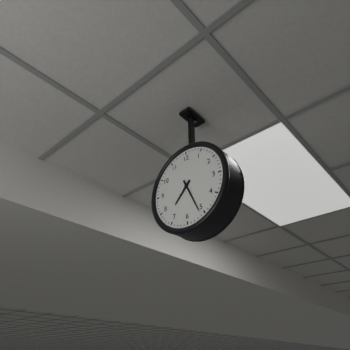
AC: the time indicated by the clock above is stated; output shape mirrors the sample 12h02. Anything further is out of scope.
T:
7h26
